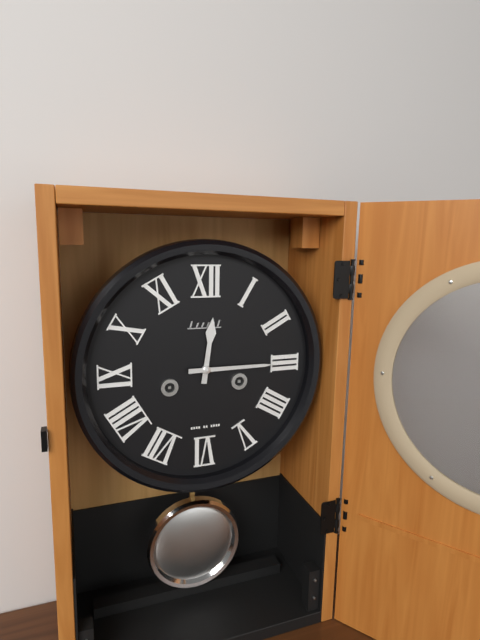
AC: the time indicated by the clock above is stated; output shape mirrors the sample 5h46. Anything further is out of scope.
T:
12h15
